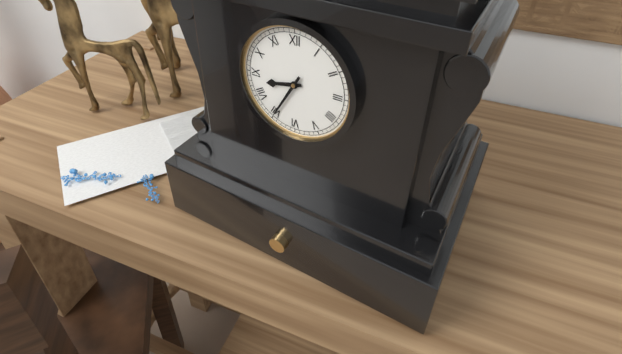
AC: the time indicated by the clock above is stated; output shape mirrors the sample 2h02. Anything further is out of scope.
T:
8h35
